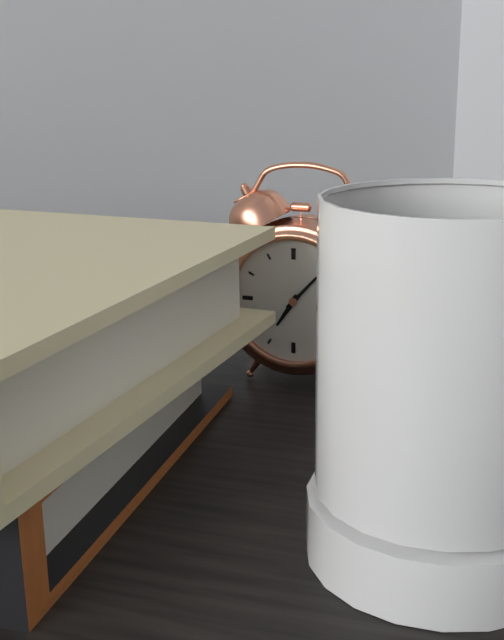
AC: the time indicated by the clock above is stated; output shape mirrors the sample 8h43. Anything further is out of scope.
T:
7h07
